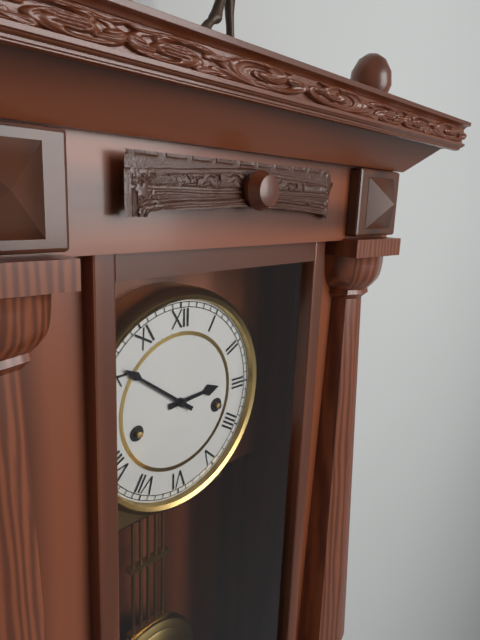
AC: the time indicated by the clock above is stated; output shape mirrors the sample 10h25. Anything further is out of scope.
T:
2h51
